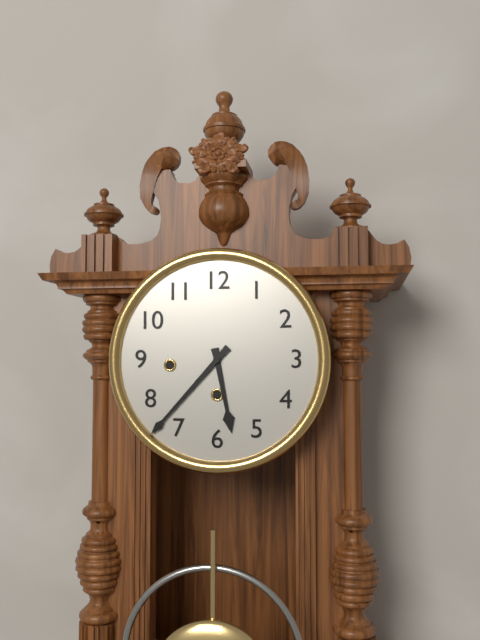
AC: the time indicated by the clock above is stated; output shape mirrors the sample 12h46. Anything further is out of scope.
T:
5h37
